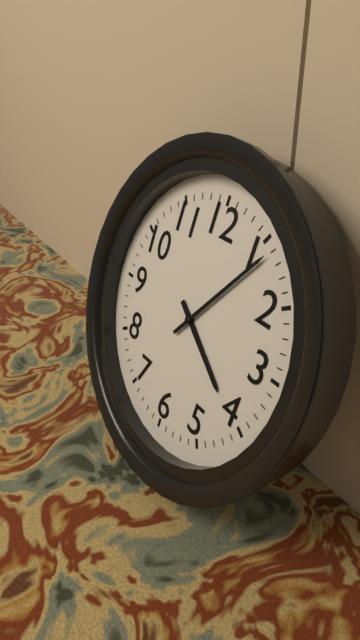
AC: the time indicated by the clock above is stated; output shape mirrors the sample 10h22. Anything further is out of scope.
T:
4h06
